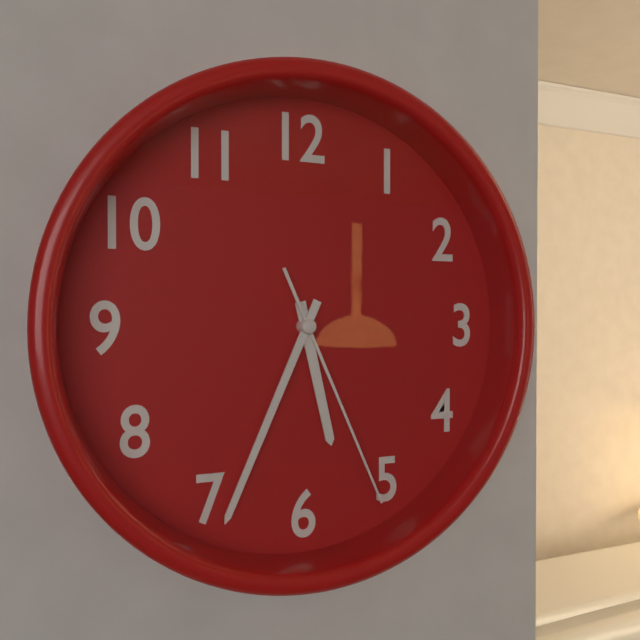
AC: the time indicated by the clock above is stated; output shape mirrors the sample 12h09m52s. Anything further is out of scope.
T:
5h34m26s
